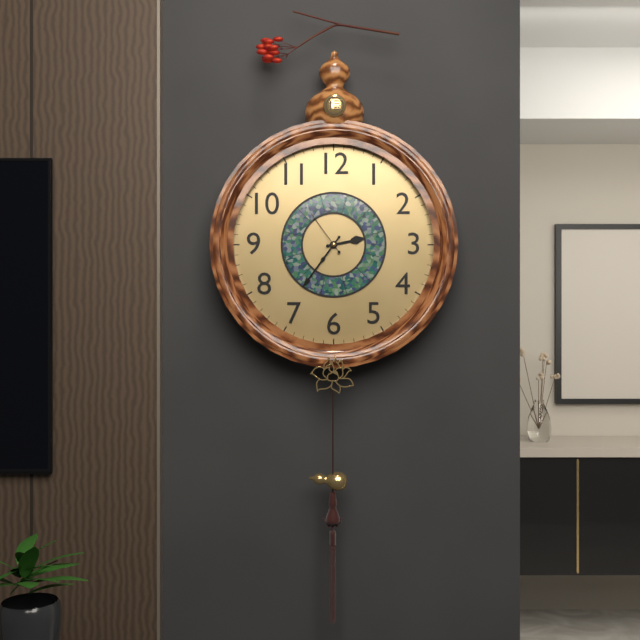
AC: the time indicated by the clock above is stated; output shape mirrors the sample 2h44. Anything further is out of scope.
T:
2h36
